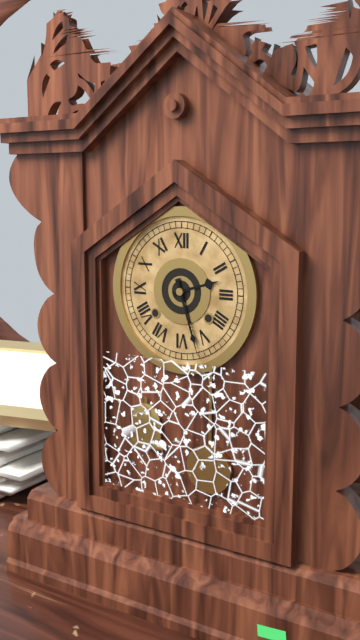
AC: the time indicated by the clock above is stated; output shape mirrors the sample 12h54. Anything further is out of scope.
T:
2h27
